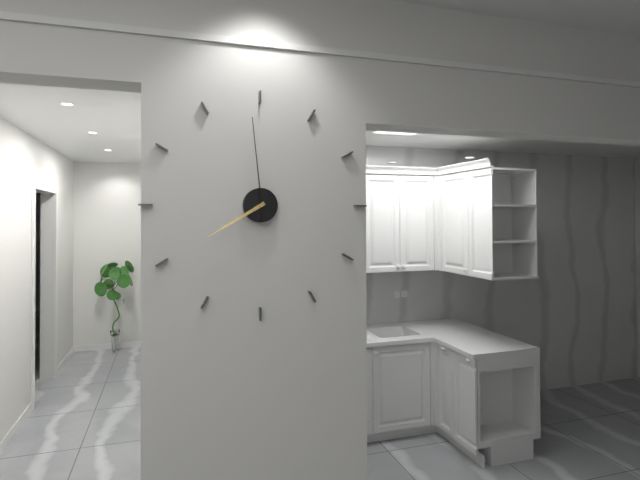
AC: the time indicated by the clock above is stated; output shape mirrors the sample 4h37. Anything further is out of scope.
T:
7h59
